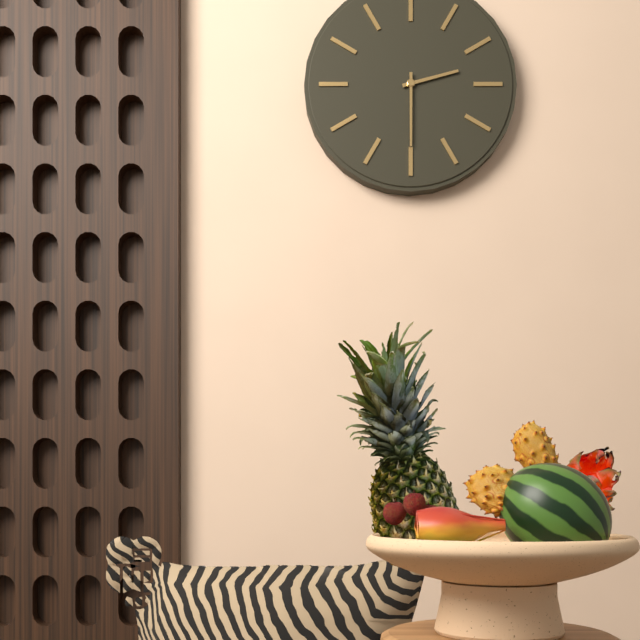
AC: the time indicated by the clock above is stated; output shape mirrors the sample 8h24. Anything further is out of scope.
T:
2h30
